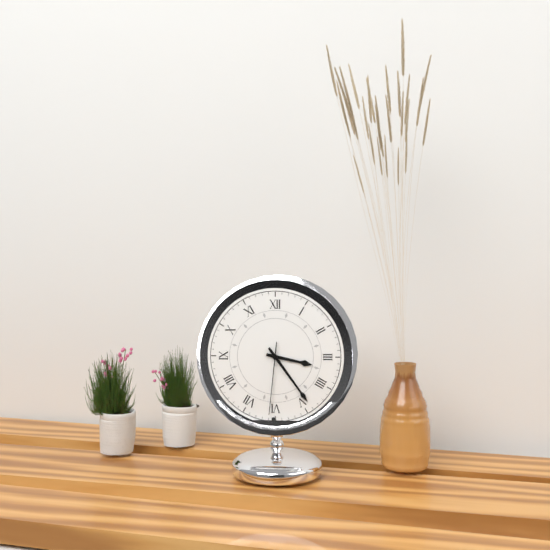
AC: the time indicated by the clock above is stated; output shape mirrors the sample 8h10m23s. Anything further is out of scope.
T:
3h24m31s
